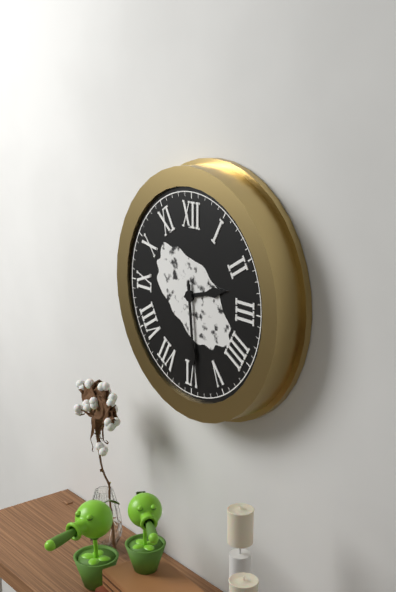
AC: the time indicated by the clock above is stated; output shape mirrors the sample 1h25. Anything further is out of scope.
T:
2h29
